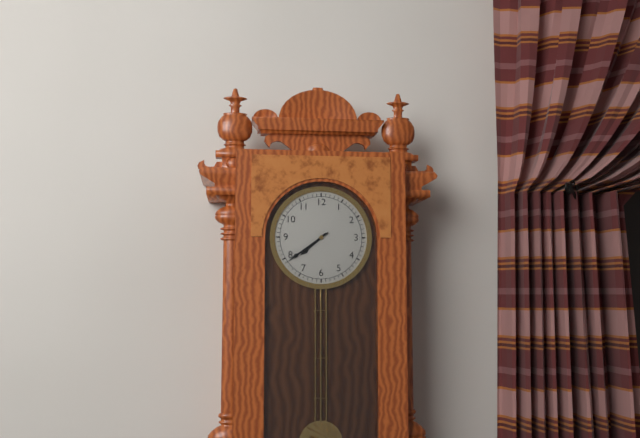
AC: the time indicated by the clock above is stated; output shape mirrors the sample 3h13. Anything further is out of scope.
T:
7h39
